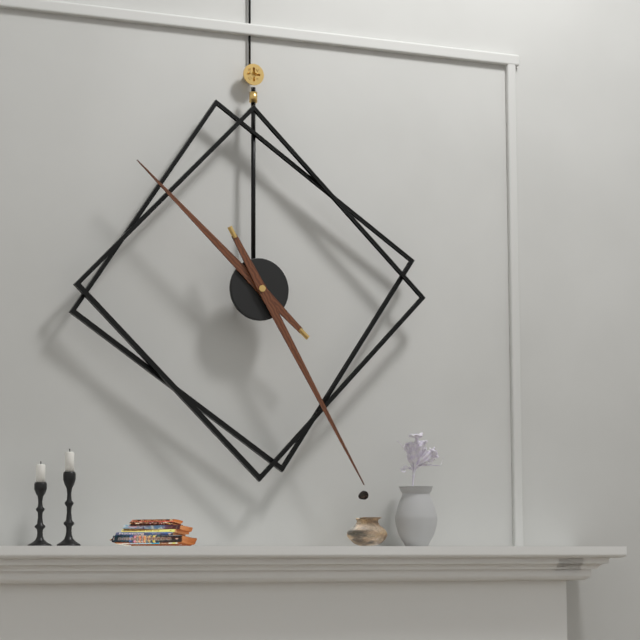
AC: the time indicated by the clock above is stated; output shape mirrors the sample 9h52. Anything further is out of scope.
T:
10h25
